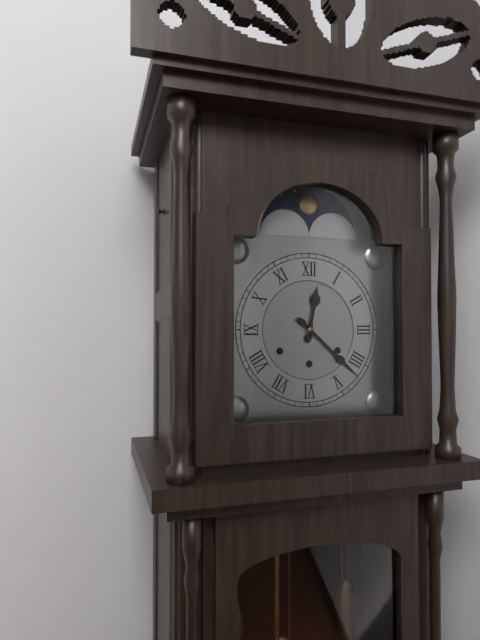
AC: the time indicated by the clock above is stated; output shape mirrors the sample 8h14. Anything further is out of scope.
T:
12h22
